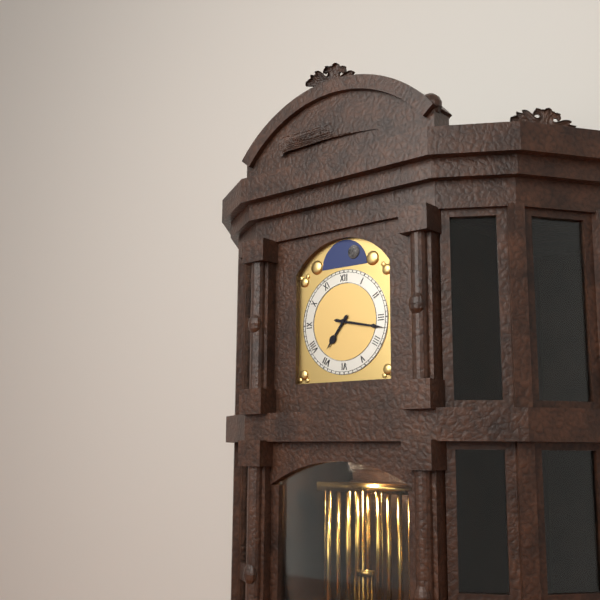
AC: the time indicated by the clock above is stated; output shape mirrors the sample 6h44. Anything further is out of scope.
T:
7h17
